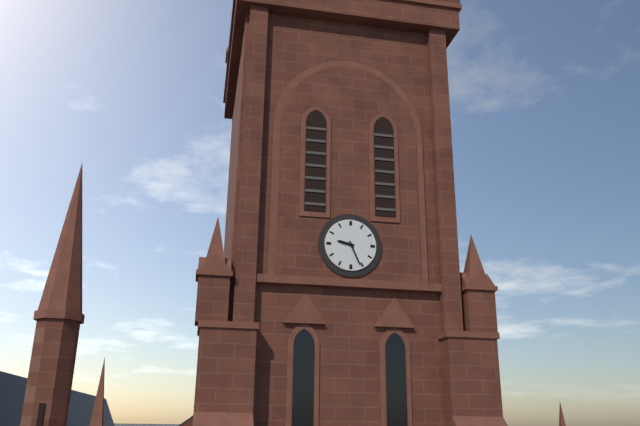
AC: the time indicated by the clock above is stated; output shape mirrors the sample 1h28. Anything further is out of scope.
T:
9h26
